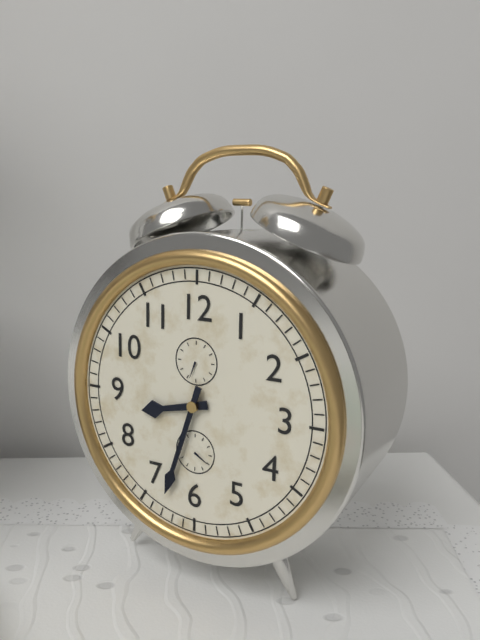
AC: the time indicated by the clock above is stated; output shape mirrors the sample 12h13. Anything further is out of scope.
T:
8h33
